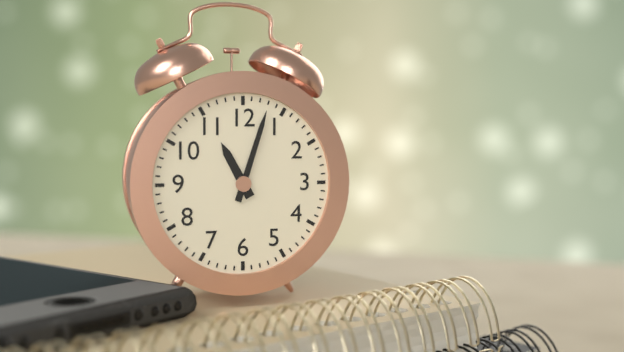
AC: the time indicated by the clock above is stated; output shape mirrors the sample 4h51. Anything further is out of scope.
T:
11h03
